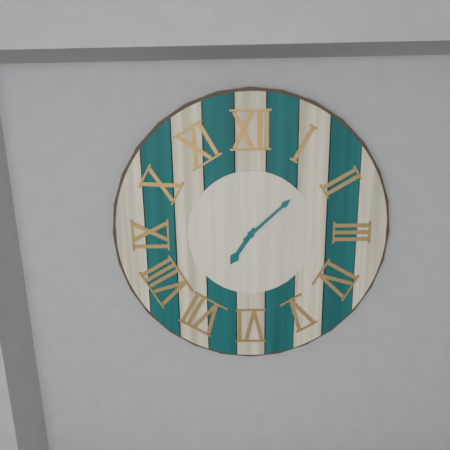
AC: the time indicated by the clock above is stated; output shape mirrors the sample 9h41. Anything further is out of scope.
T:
7h08
